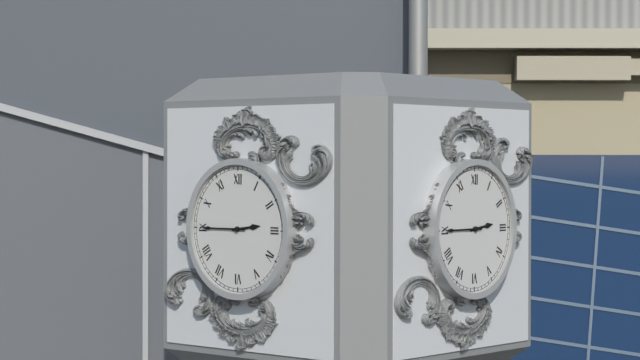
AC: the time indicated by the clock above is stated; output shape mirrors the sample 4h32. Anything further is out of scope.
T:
2h45
